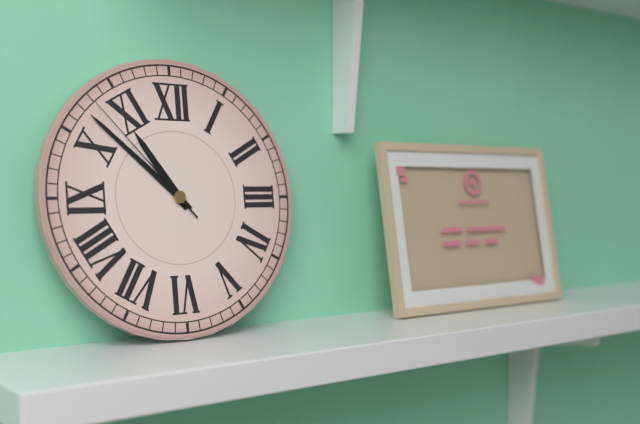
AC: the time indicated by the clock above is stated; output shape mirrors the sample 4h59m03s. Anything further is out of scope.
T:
10h52m53s
